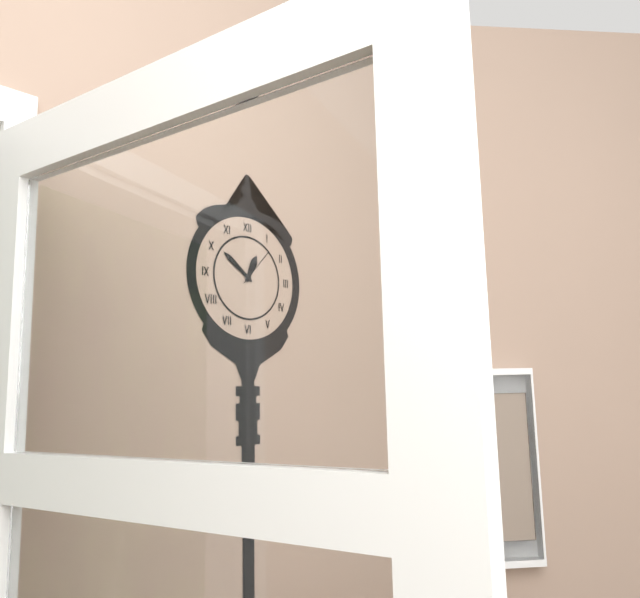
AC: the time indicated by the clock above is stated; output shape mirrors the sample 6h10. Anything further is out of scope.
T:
12h51
